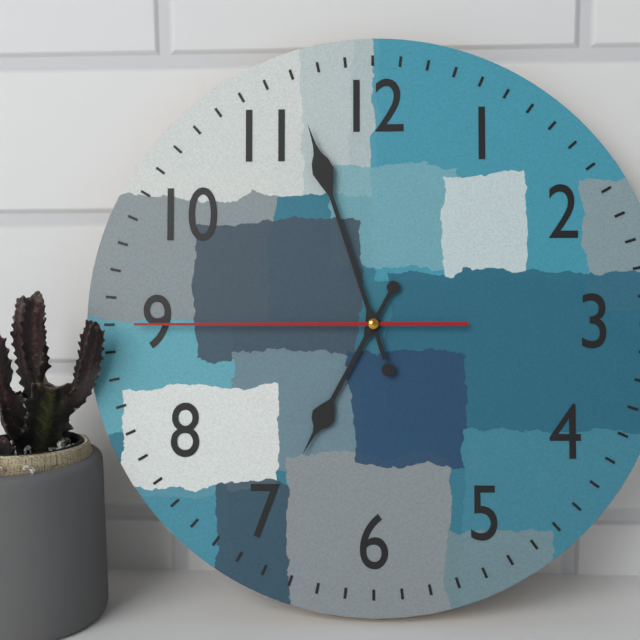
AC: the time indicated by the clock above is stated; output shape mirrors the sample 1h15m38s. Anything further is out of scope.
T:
6h57m45s
